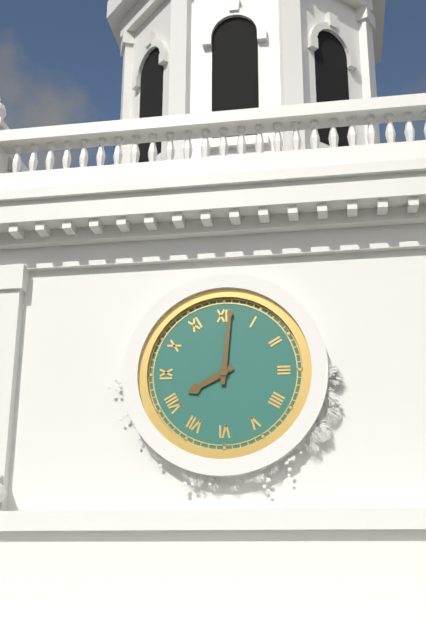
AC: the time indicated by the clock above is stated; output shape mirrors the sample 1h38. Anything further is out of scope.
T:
8h01
